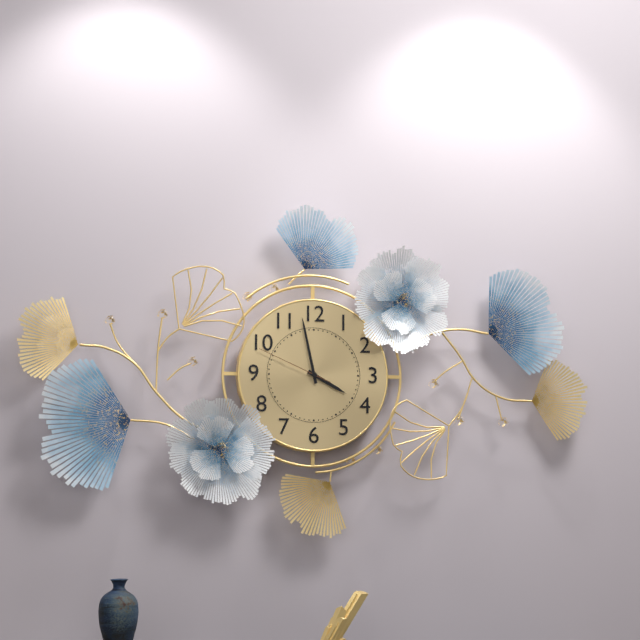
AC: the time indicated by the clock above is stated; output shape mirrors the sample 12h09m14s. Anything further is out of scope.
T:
3h58m49s
